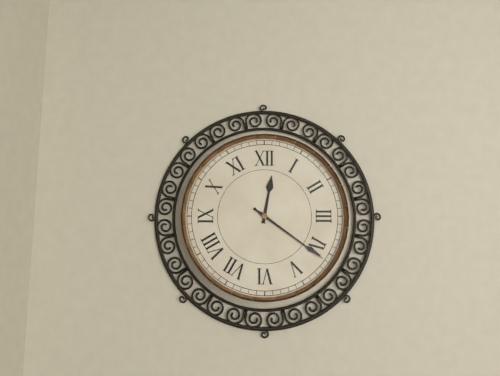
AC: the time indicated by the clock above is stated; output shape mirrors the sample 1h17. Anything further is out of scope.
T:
12h21
